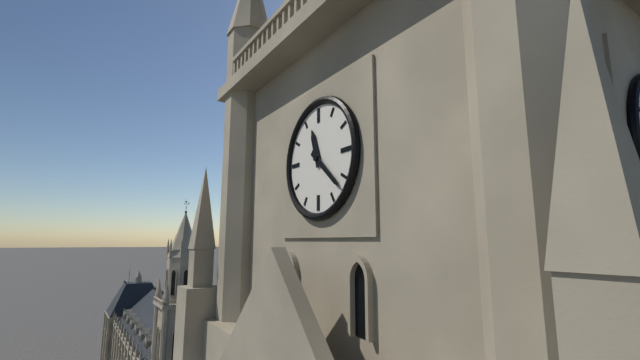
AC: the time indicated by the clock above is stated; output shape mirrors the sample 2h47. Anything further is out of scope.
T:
11h22
